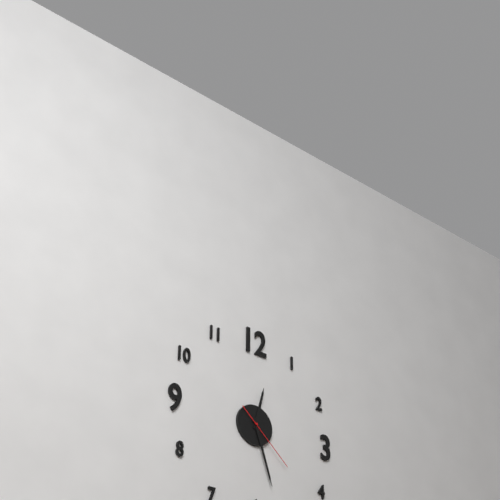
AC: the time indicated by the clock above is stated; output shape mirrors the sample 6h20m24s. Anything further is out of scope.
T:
12h27m22s
